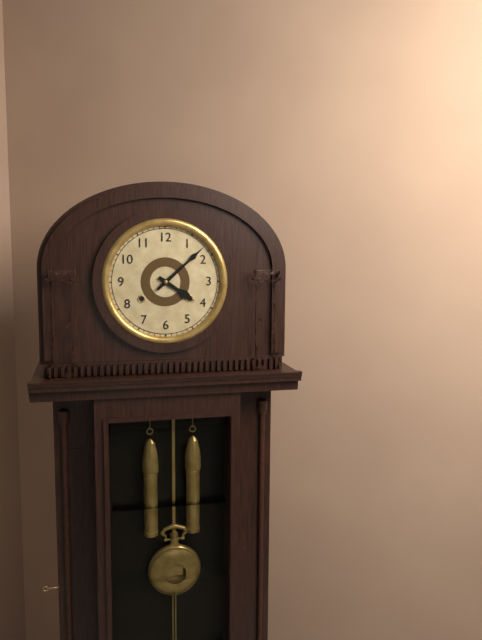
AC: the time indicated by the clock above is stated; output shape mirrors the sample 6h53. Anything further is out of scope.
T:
4h08
